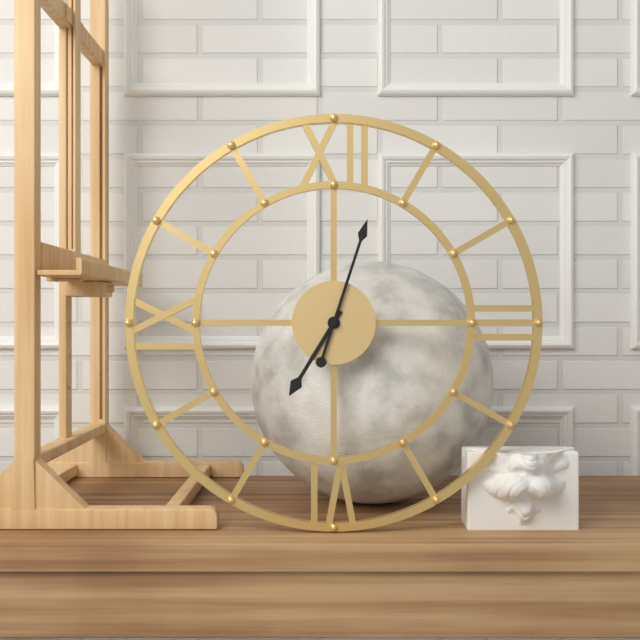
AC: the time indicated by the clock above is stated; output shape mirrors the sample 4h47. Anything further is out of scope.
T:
7h03
